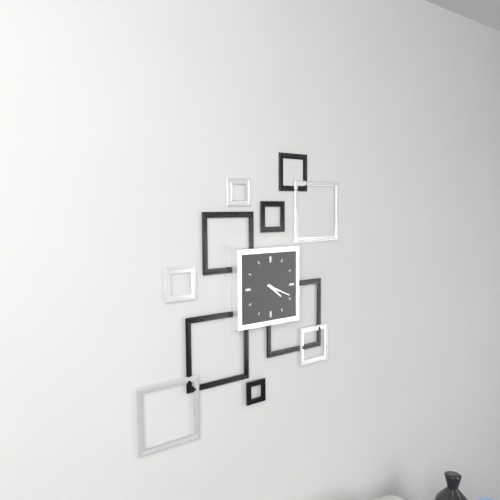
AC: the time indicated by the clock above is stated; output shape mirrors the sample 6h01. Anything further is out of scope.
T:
4h19
